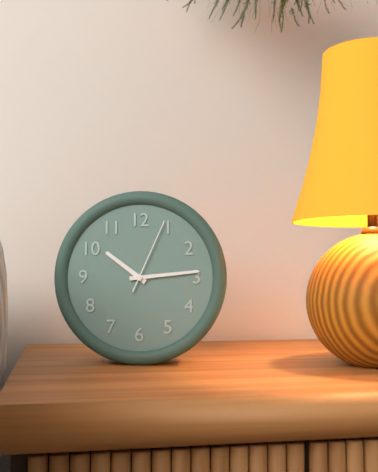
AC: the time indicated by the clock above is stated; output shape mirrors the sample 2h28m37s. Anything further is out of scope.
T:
10h14m04s
